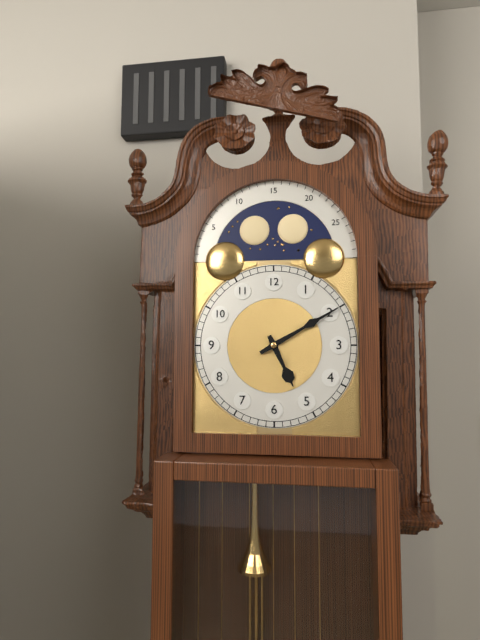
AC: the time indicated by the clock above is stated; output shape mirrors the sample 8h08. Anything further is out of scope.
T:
5h10
